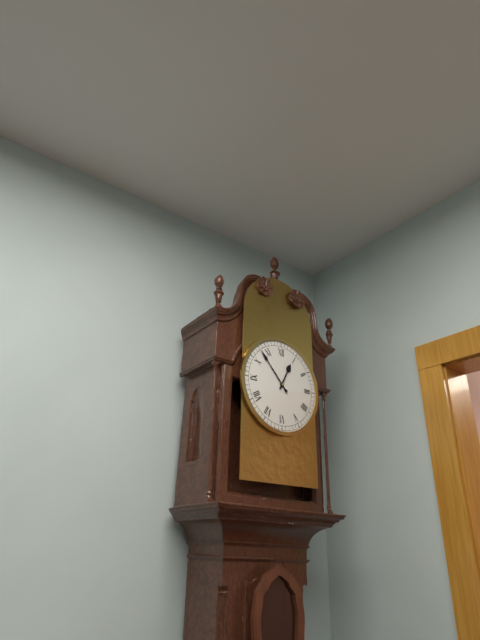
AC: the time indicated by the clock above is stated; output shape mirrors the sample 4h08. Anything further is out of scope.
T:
12h53
